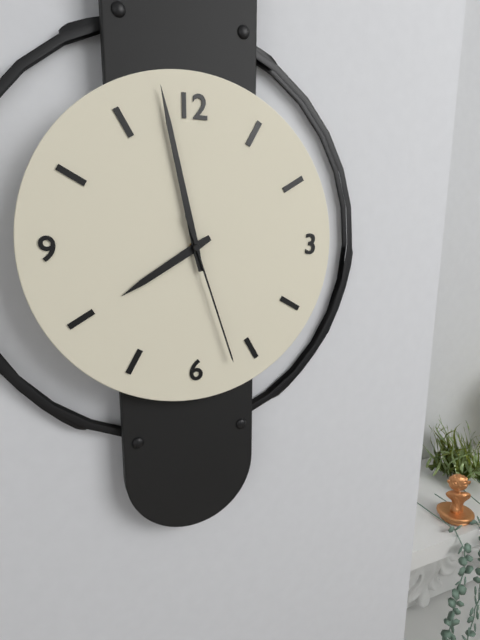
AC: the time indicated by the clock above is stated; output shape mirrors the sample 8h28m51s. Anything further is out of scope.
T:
7h58m27s
